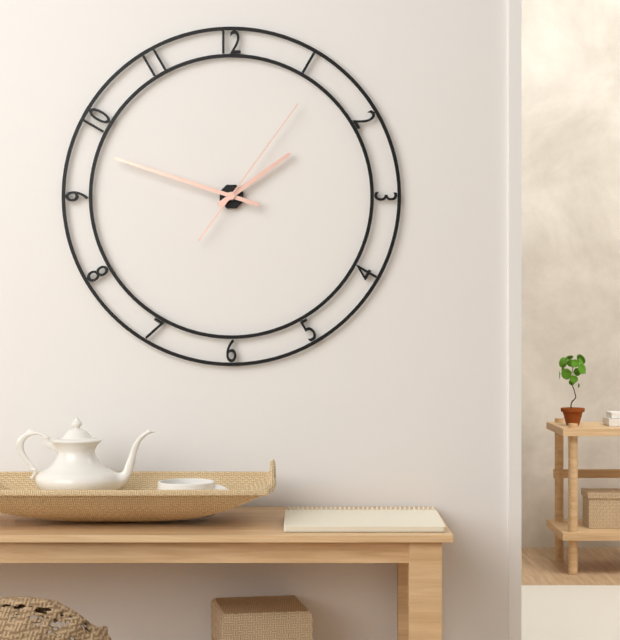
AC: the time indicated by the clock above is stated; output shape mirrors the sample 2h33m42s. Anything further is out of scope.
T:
1h48m06s
